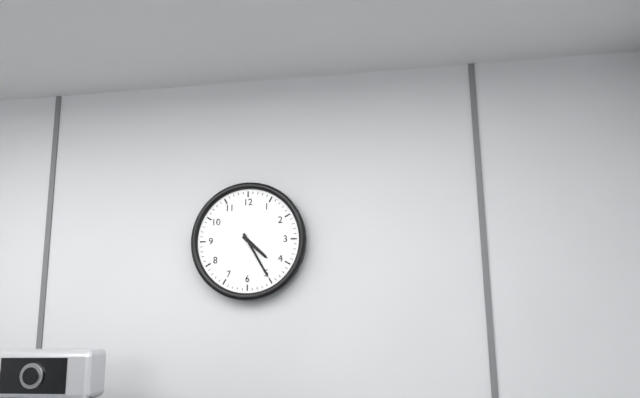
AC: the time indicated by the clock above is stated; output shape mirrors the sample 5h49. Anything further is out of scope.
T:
4h25
